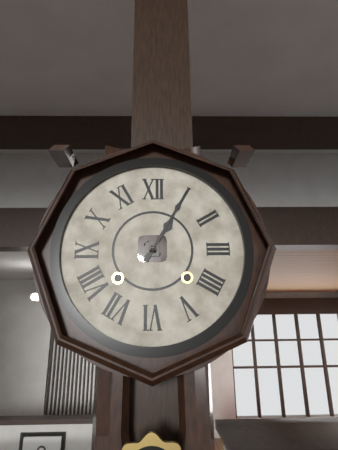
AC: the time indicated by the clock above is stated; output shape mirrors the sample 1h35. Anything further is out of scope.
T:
1h05
